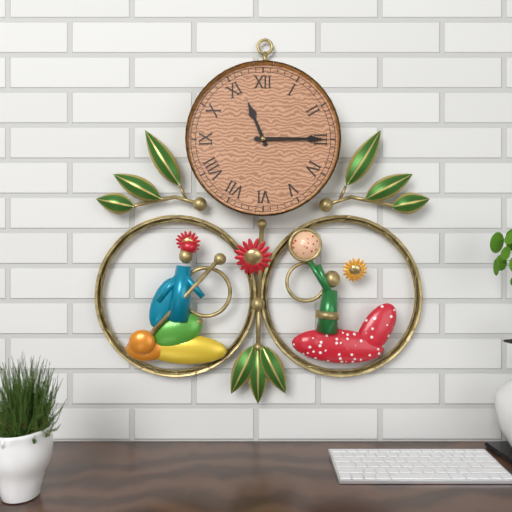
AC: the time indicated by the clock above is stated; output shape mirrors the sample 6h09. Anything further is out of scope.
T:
11h15
